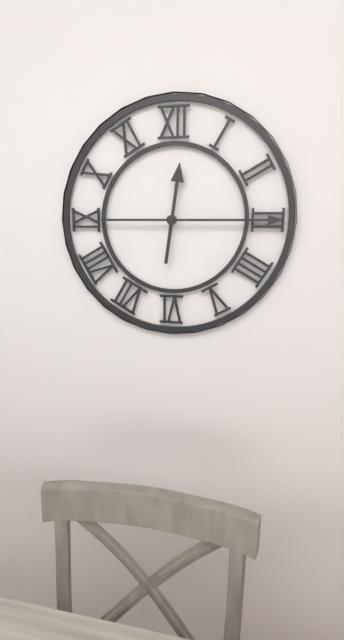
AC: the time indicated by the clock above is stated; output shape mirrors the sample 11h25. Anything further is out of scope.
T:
12h15
